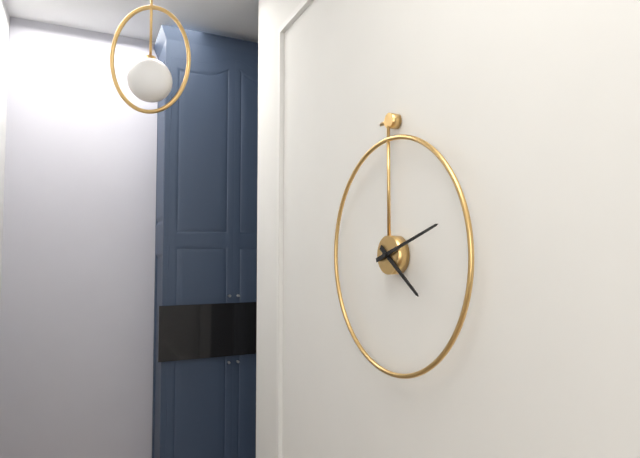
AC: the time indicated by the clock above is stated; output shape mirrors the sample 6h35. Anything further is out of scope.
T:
4h12
